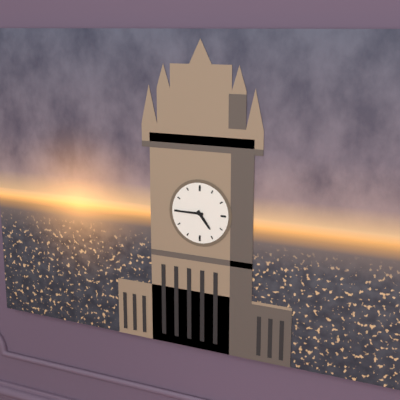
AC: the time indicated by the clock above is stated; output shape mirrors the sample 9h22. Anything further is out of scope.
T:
4h45
